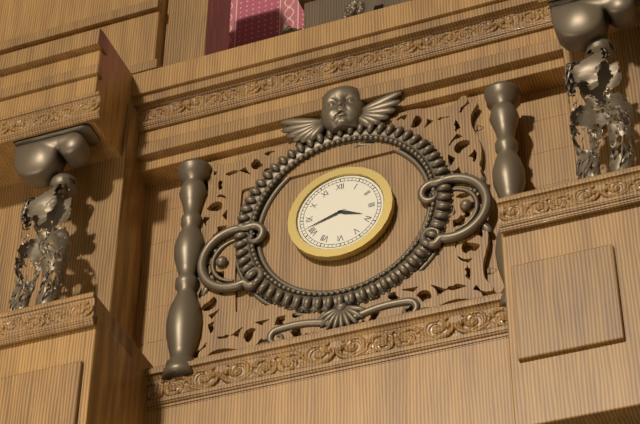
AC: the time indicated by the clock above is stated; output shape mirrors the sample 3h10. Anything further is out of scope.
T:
3h42
